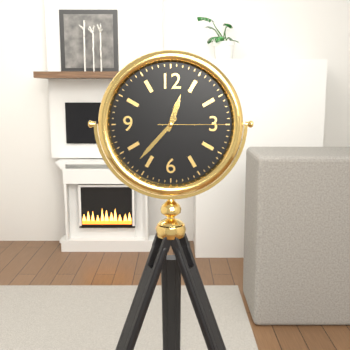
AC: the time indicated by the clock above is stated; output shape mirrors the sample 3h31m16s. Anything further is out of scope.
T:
12h37m15s
